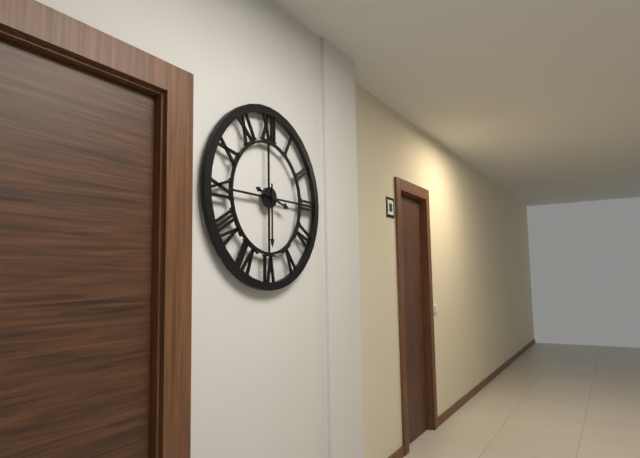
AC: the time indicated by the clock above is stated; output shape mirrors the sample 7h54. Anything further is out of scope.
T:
3h30
